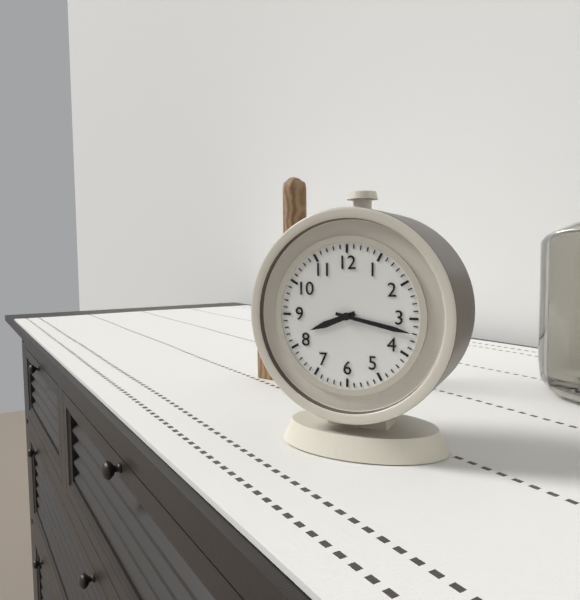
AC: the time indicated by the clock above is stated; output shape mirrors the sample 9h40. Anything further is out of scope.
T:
8h17
